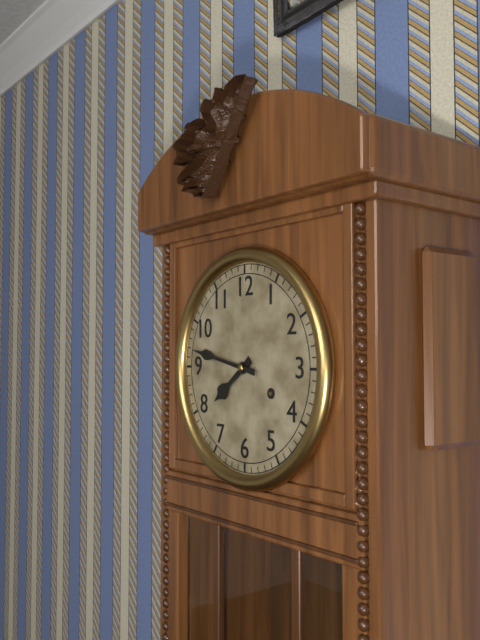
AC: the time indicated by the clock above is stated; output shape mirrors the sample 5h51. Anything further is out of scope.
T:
7h47
